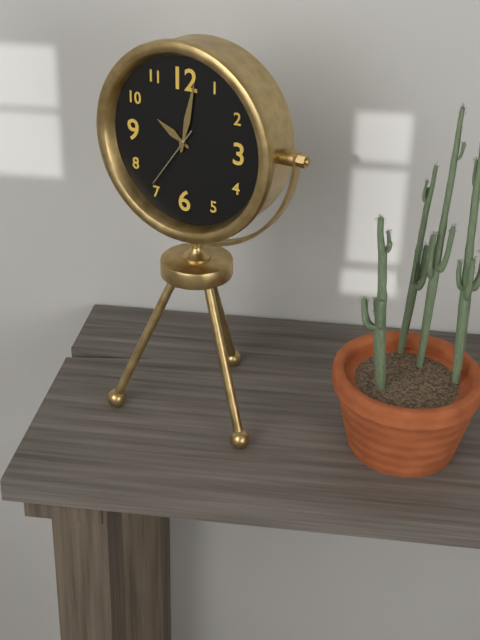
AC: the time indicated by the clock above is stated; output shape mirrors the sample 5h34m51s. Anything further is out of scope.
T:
10h02m36s
